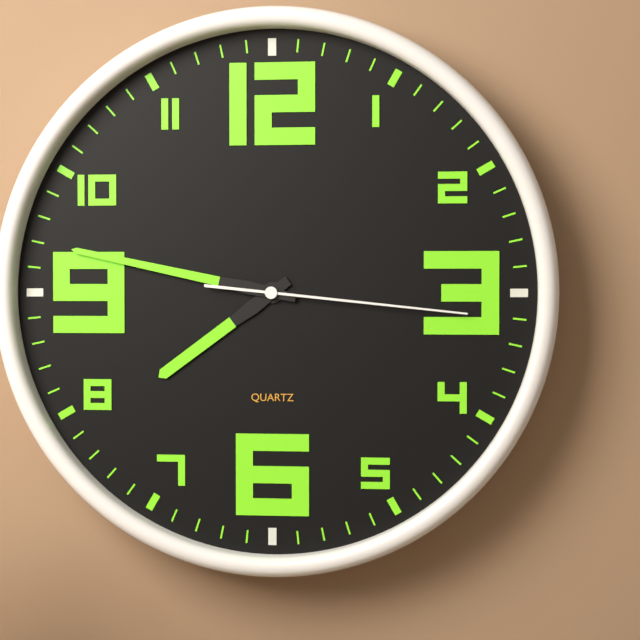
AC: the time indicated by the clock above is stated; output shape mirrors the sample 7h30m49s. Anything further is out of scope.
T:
7h47m16s
